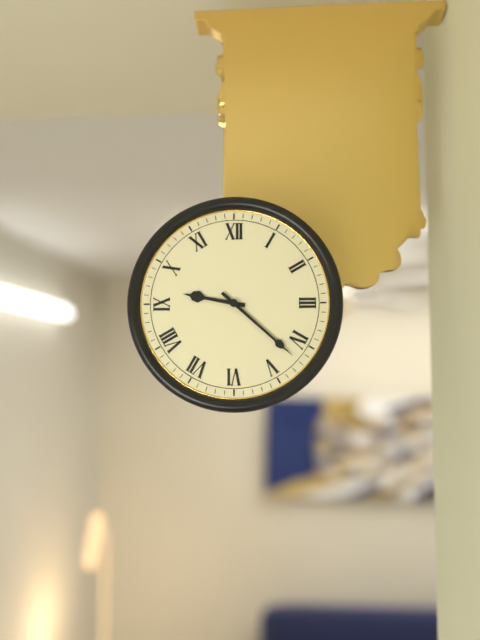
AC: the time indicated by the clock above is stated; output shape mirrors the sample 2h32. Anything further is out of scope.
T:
9h22
